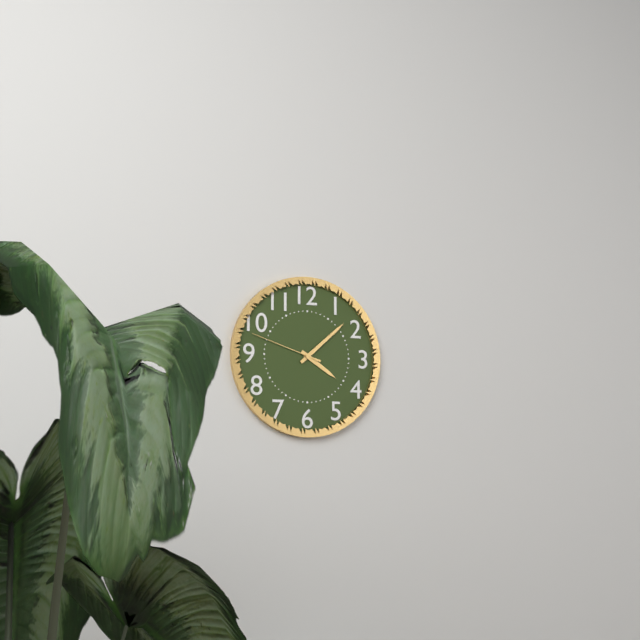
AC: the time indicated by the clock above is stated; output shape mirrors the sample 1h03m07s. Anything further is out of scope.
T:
4h08m48s
